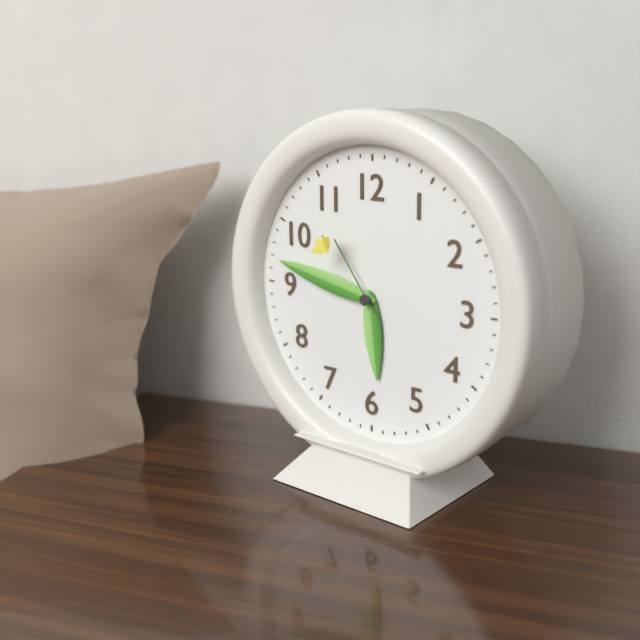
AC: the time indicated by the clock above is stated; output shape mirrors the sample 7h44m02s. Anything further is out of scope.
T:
5h47m54s
